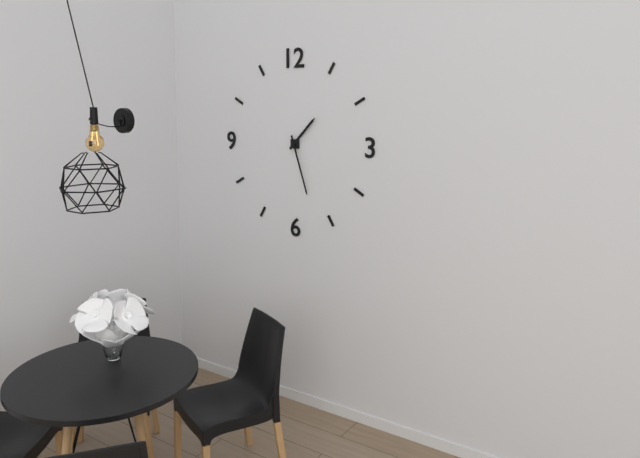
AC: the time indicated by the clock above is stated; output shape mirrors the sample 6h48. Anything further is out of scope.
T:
1h27
